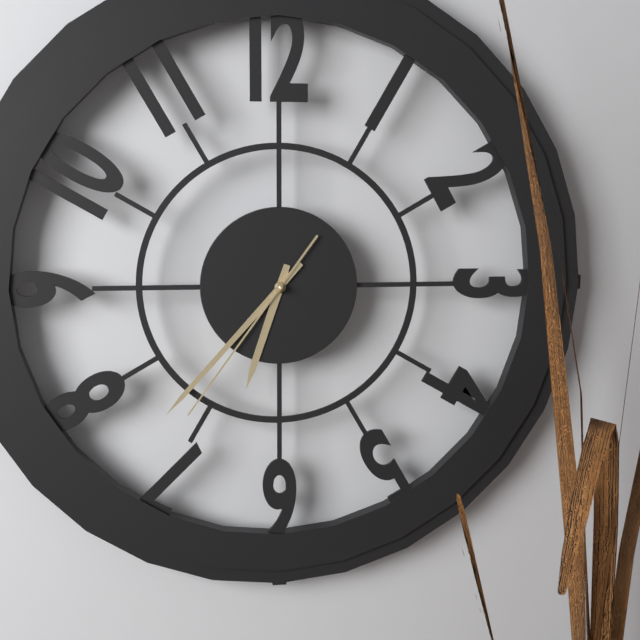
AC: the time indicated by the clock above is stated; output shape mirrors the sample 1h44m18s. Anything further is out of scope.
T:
6h37m36s
